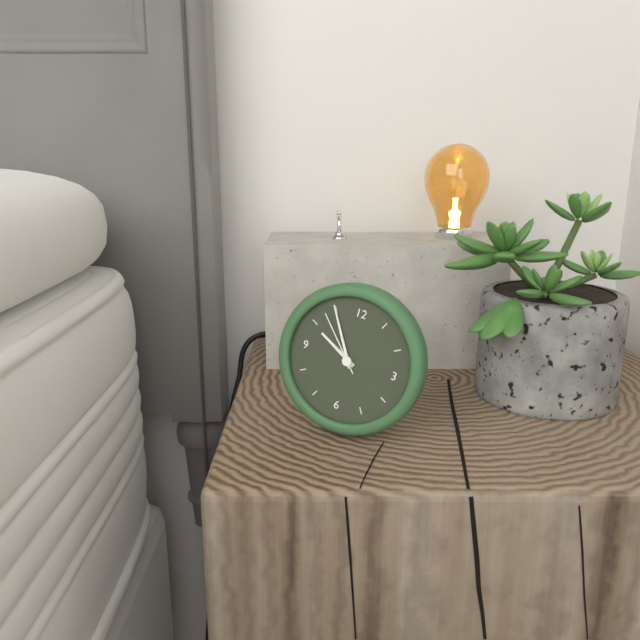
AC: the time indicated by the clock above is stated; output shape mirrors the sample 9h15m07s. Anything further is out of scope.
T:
9h55m53s
